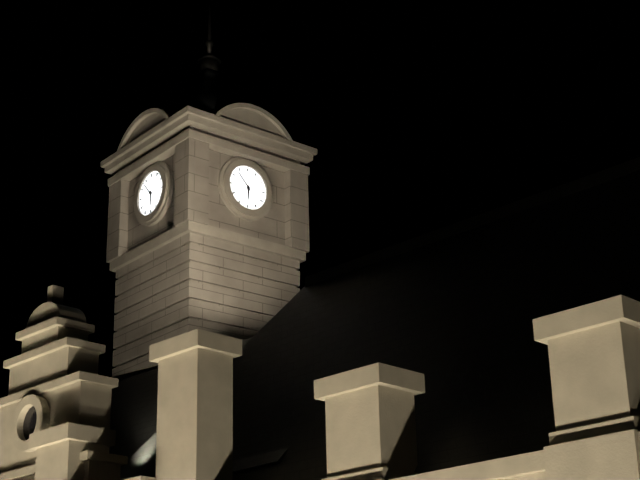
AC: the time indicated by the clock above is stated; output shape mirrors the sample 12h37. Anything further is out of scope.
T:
5h53
